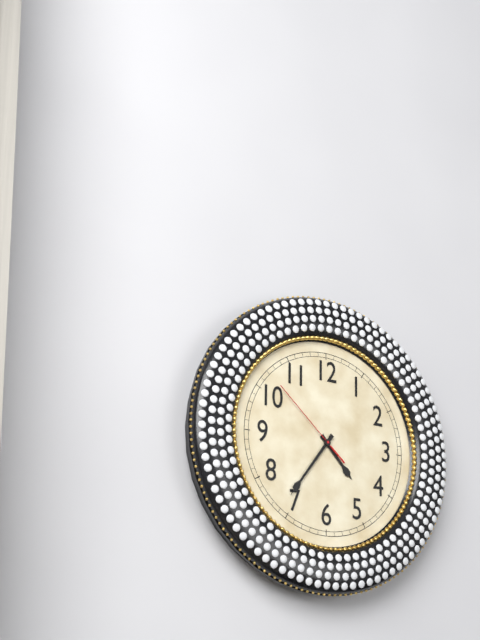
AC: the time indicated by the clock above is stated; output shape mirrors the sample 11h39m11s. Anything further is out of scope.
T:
4h36m52s
